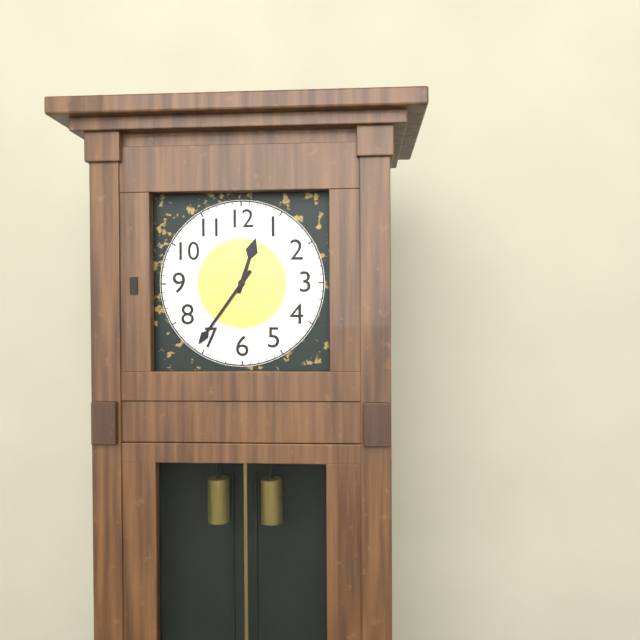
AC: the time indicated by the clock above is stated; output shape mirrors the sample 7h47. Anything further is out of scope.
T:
12h36
